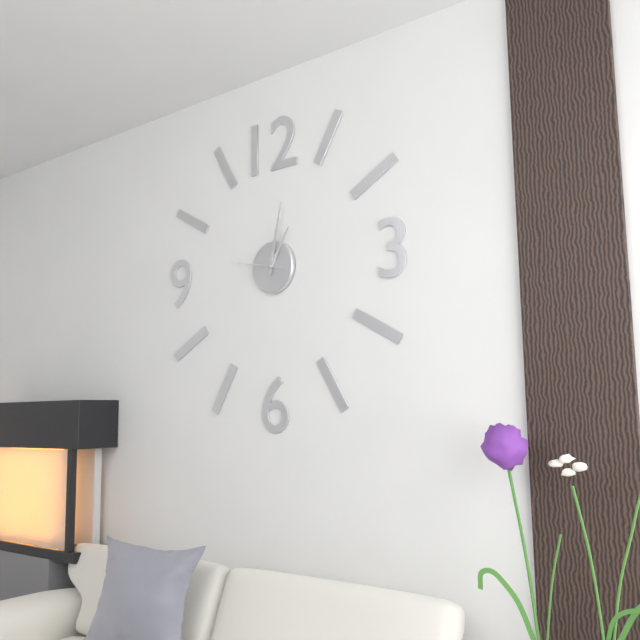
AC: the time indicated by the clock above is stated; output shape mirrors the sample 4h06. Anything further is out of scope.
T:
1h02
